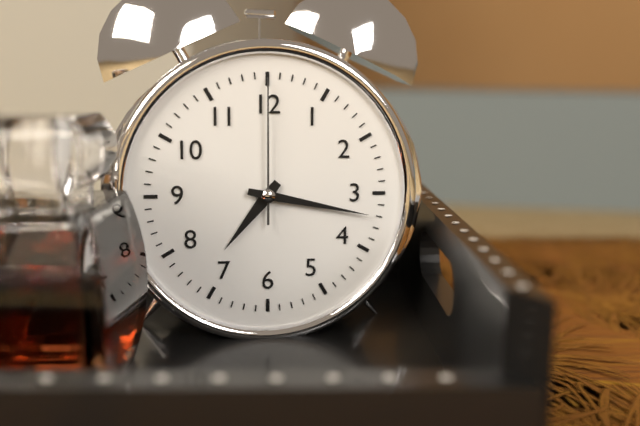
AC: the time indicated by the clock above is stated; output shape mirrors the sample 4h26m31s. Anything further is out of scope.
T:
7h17m00s
